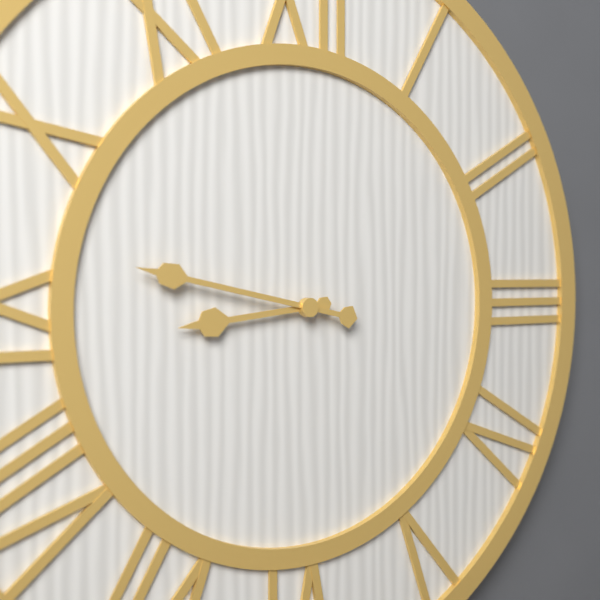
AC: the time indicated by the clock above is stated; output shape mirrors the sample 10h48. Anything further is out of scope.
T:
8h47
